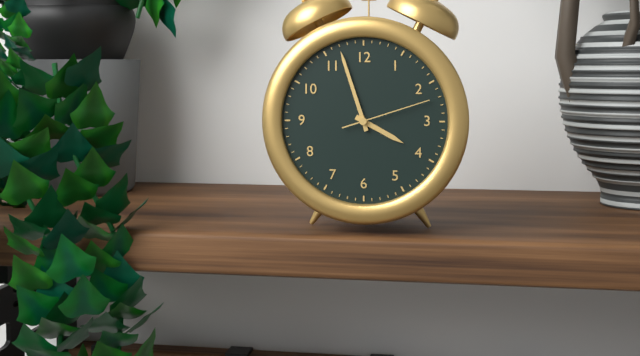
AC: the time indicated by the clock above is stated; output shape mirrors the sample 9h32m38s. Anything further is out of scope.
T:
3h57m12s
